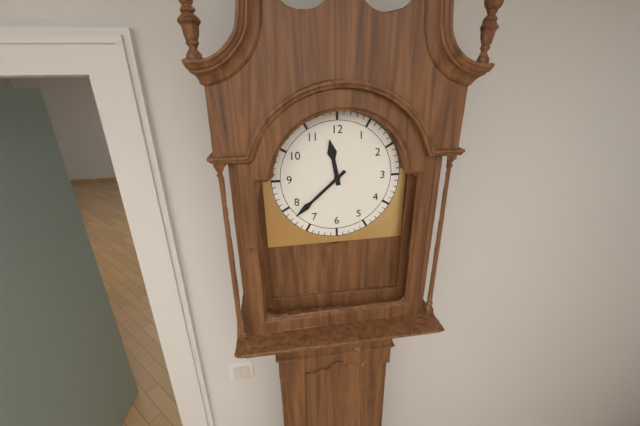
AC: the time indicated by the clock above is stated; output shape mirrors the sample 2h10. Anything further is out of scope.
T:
11h38
